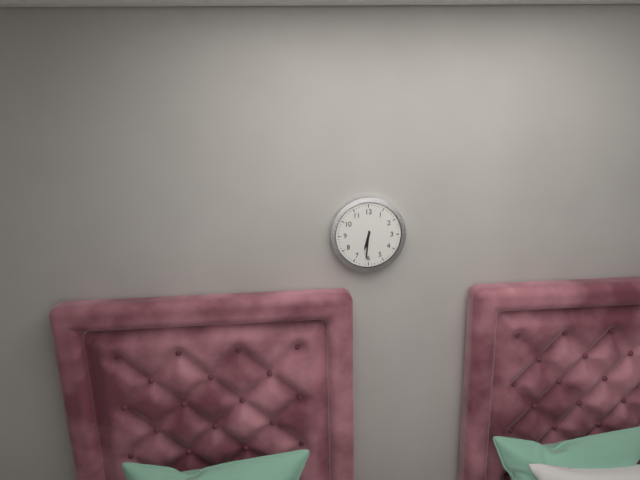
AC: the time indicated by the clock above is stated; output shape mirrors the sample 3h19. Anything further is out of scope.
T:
6h31
